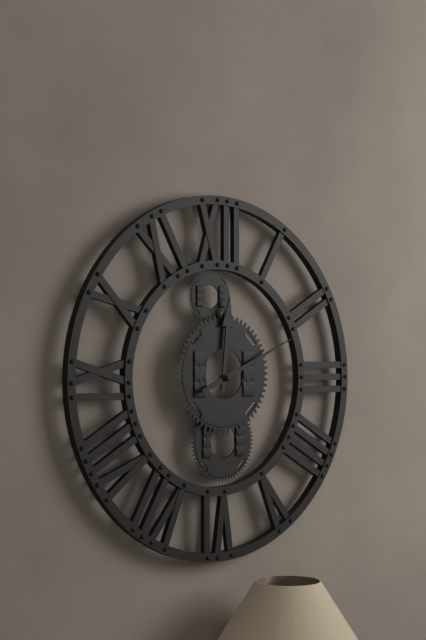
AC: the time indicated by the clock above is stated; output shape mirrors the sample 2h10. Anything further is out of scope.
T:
12h11
